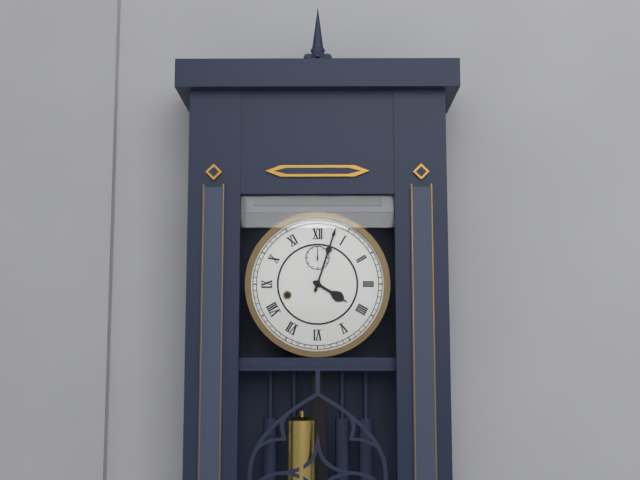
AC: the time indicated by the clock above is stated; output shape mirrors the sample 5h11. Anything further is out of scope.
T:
4h03
